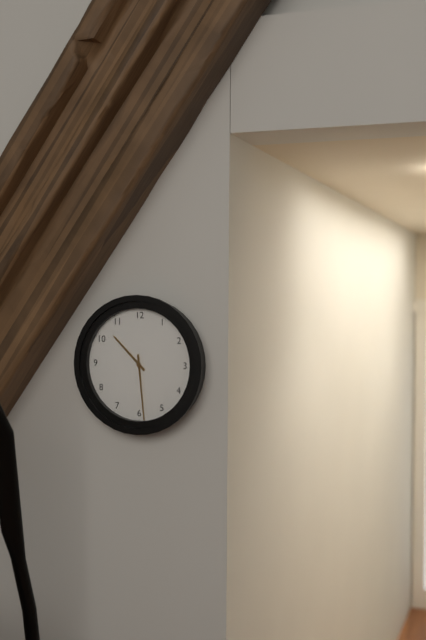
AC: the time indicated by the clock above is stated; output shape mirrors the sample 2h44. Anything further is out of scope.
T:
10h29
